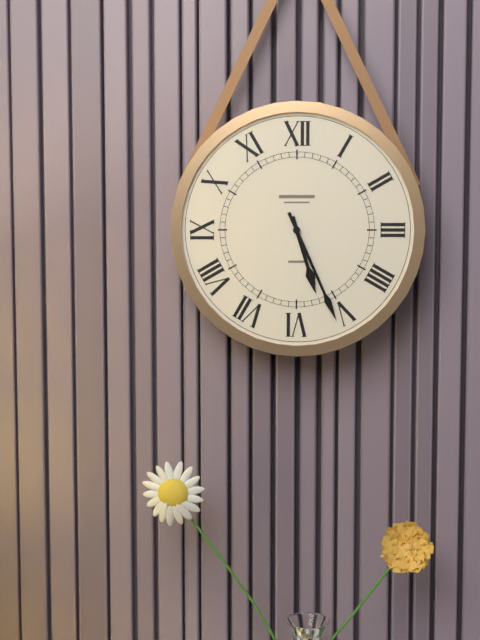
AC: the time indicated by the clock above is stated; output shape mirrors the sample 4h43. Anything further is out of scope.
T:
5h26
